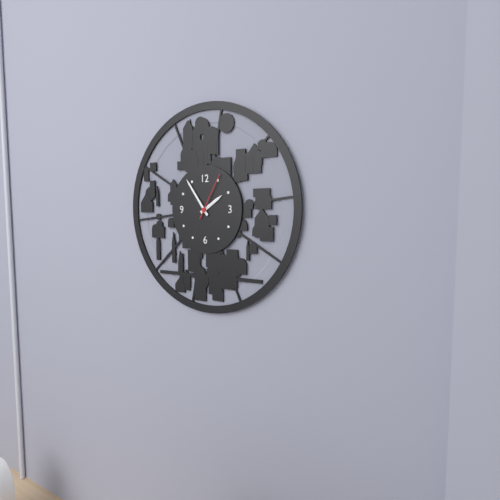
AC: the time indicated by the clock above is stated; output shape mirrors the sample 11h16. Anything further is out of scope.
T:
1h54
